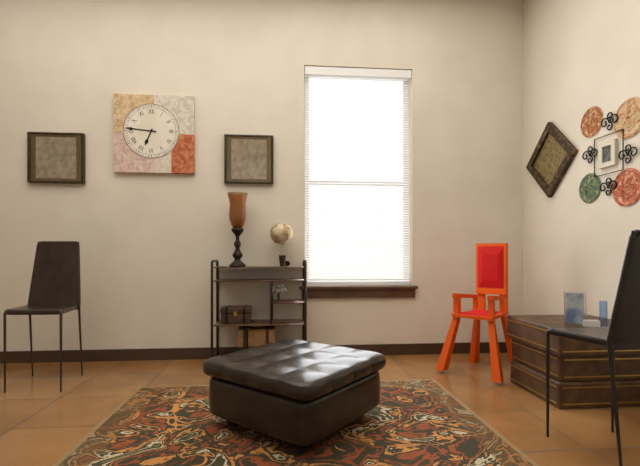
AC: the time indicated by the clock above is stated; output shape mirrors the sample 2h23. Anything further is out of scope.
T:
6h46
